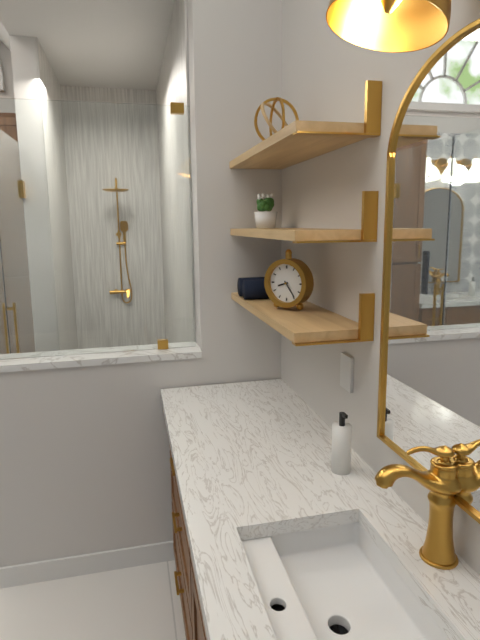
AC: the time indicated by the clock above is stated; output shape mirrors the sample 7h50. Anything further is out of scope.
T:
8h24
